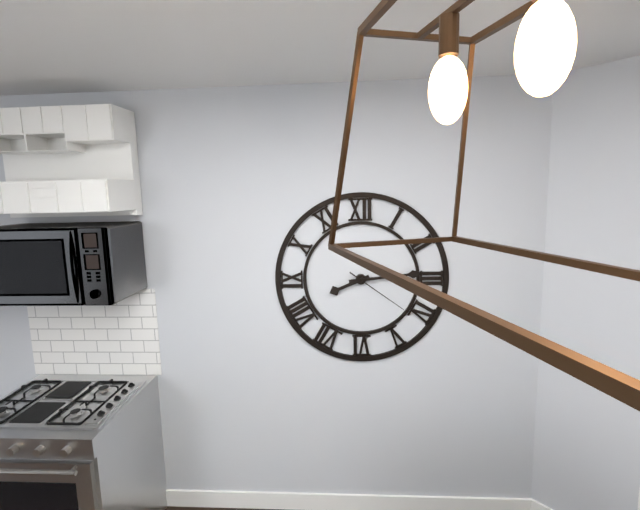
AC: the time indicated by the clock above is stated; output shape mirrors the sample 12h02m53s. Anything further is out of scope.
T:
8h14m21s
